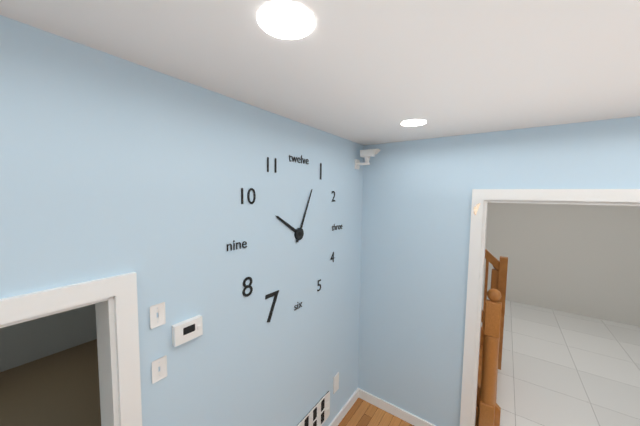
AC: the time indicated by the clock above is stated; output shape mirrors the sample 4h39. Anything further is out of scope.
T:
10h04
